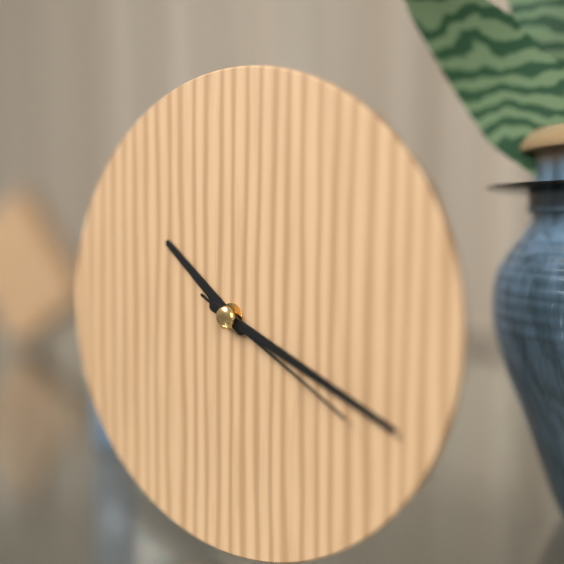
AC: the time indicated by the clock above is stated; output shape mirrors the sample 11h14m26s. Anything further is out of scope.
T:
10h19m20s
